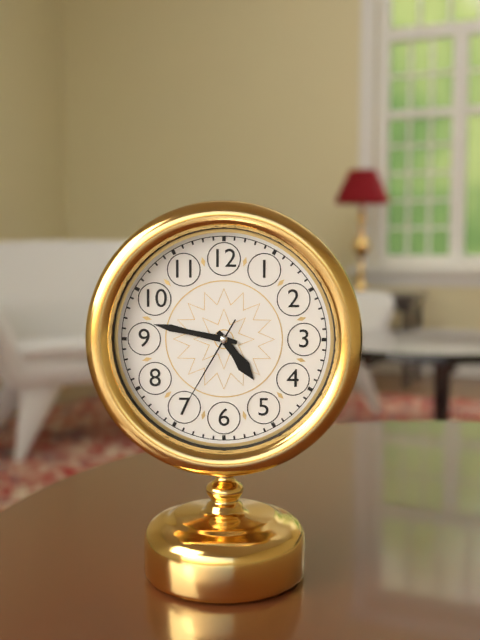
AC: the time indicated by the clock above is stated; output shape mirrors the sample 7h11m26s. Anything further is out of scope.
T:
4h47m35s
